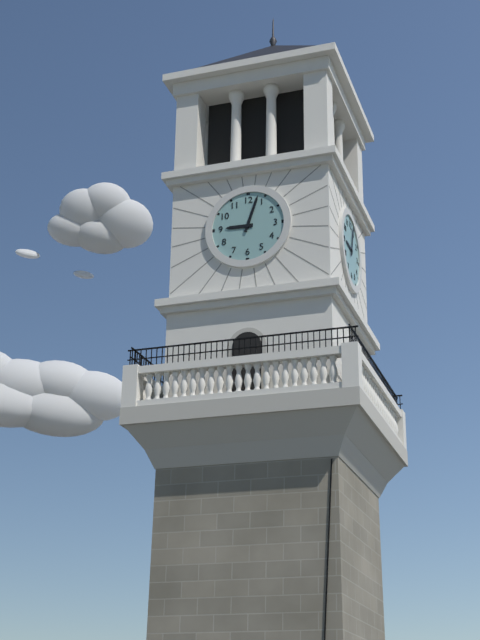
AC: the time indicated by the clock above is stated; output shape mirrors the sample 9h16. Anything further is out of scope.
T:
9h03
